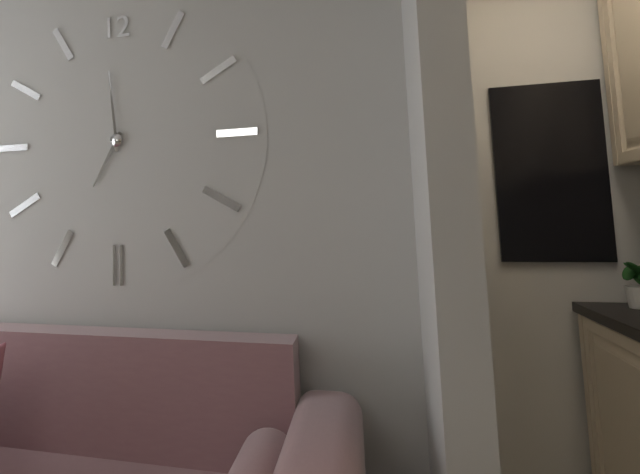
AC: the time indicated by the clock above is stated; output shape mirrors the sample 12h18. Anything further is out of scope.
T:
6h59
